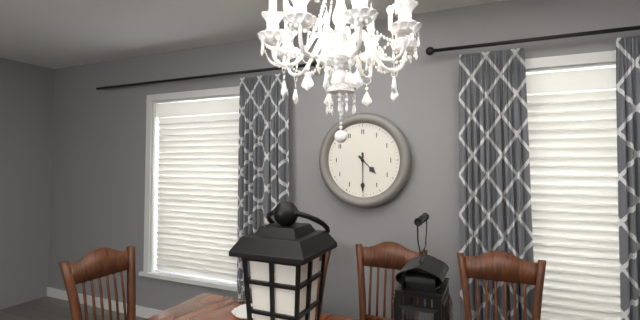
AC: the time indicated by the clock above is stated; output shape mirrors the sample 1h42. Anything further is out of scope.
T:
4h30
